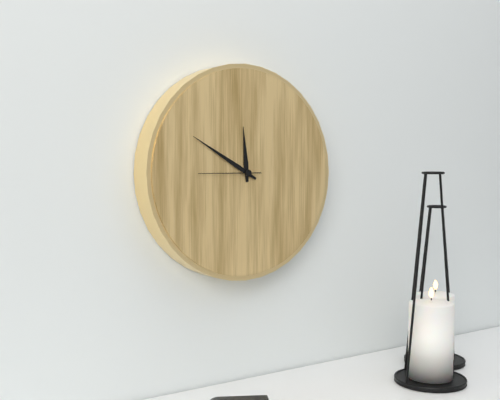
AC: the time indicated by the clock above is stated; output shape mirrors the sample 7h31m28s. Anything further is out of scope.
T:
11h50m45s
